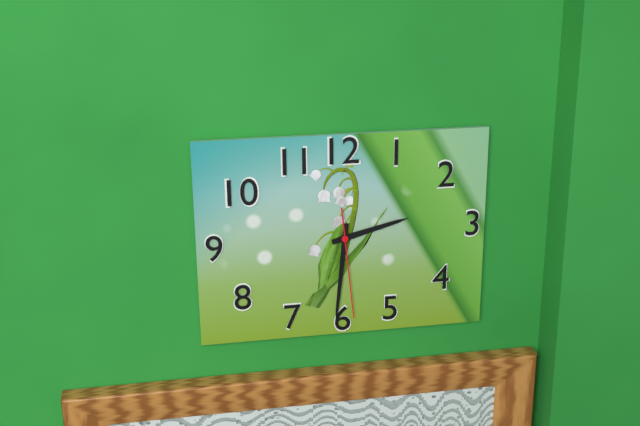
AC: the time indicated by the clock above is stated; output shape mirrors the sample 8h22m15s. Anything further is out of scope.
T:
2h31m29s
